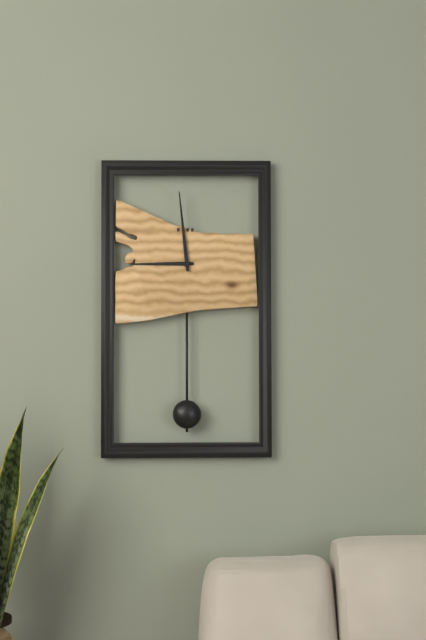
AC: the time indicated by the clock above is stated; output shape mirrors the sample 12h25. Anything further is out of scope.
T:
8h59
